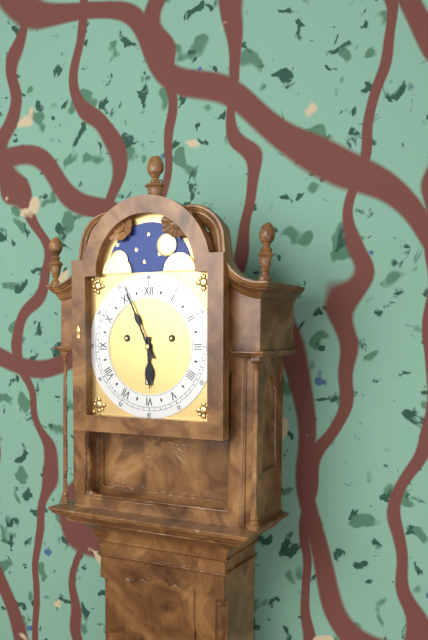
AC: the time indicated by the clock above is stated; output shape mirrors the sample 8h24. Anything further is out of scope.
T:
5h56
